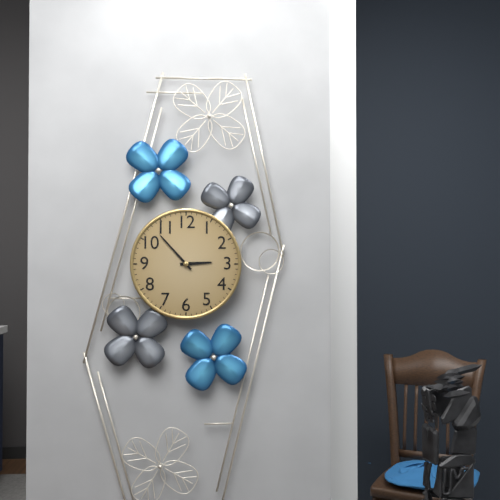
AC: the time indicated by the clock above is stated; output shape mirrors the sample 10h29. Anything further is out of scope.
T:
2h53
